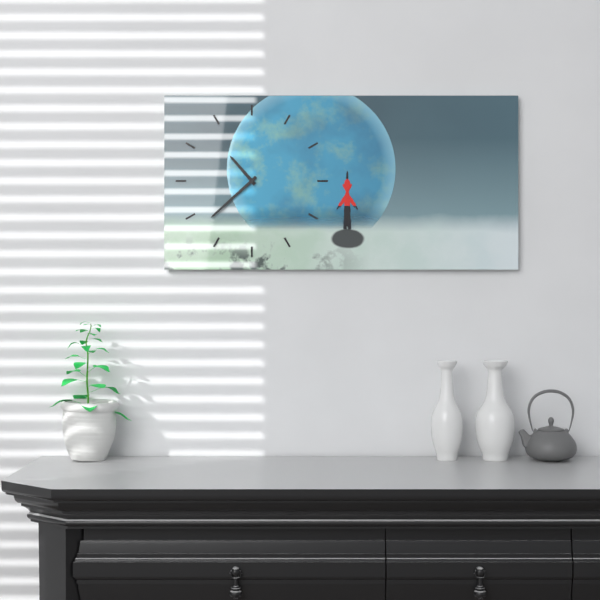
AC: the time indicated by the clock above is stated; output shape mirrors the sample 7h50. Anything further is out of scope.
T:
10h38
